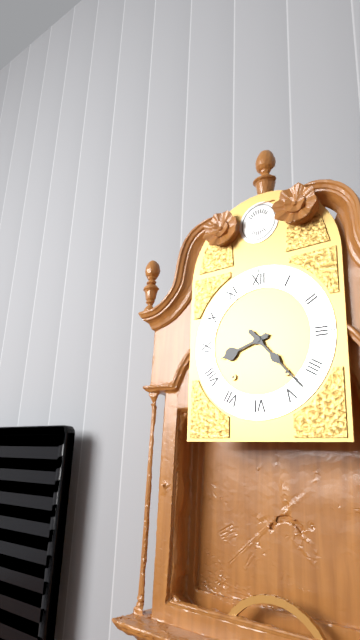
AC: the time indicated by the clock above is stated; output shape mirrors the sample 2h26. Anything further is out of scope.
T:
8h23
